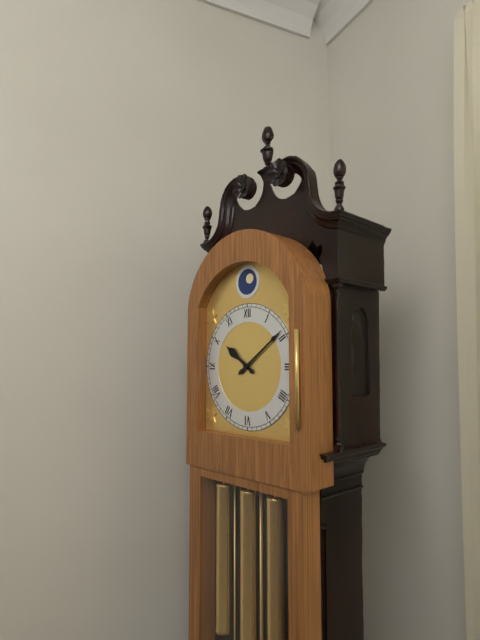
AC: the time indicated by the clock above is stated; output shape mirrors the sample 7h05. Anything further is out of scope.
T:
10h09
